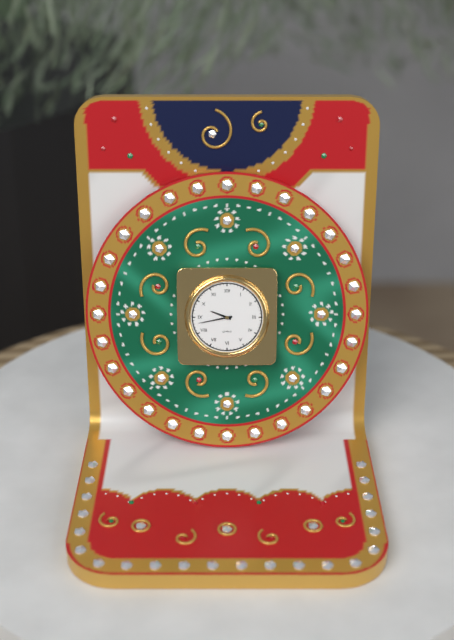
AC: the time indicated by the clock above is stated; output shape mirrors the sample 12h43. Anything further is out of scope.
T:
9h43
